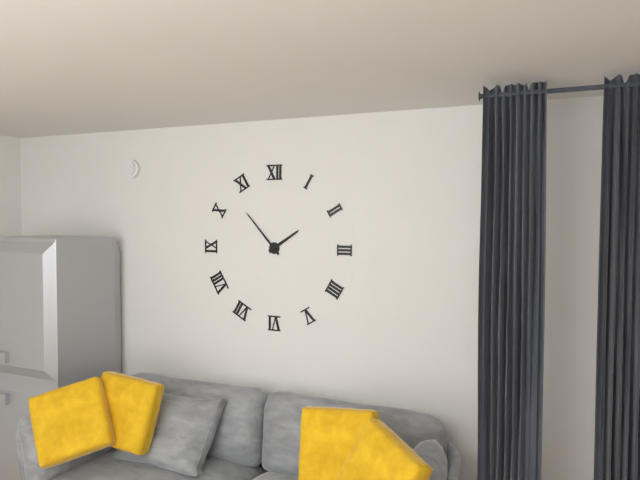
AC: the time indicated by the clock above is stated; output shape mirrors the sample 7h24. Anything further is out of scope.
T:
1h53
